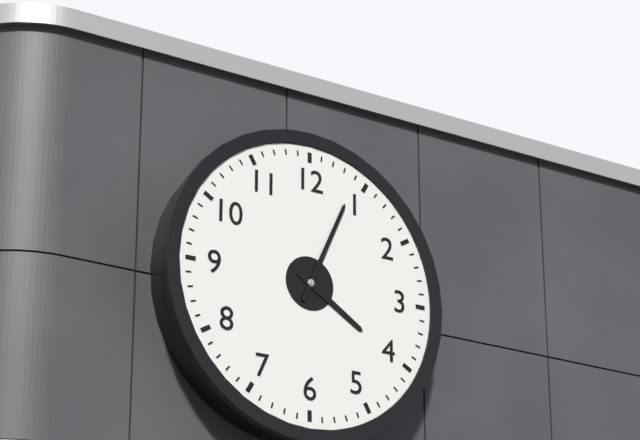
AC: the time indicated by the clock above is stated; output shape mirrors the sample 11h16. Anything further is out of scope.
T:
4h04
